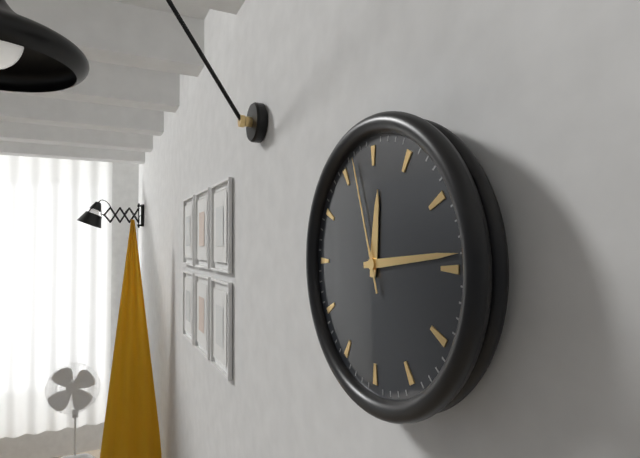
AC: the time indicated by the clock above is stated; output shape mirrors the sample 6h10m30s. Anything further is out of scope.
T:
12h14m57s
